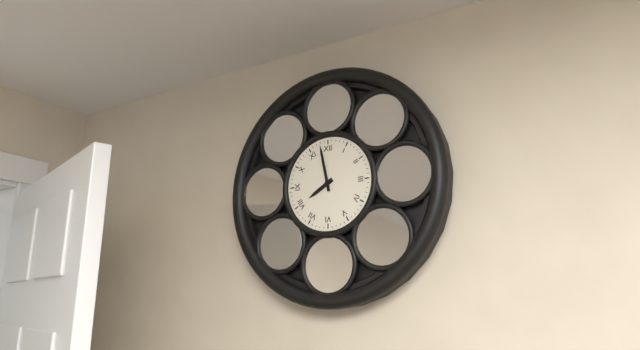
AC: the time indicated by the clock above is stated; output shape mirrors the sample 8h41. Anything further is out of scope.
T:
7h58
